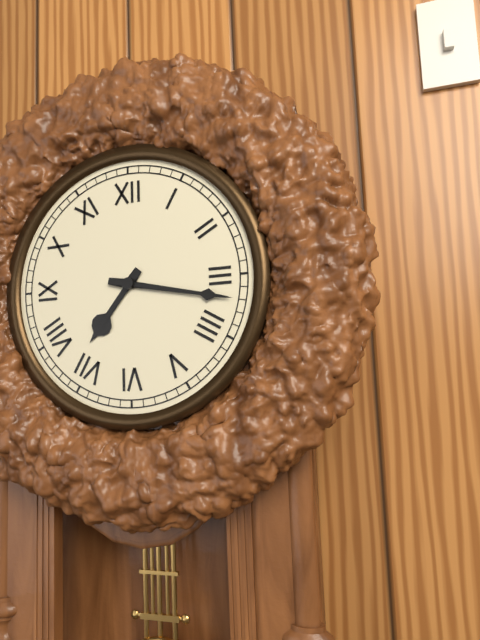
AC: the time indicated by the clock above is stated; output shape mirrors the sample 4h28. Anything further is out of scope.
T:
7h17
